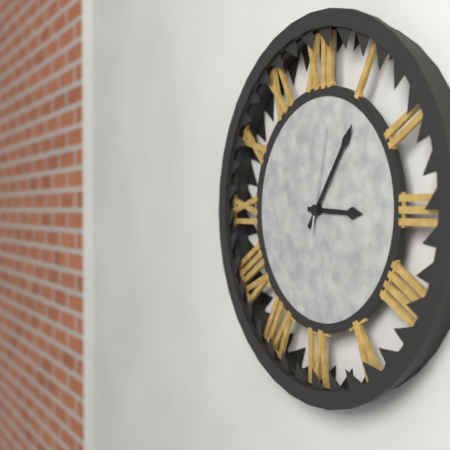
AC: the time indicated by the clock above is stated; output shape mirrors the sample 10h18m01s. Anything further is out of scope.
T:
3h06m02s
